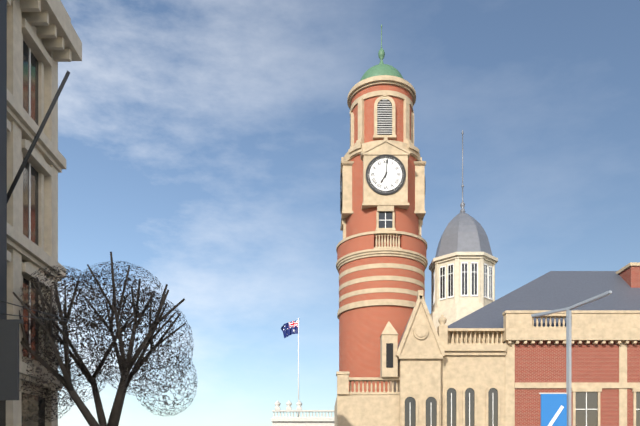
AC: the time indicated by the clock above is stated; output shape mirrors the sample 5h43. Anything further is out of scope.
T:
7h01
